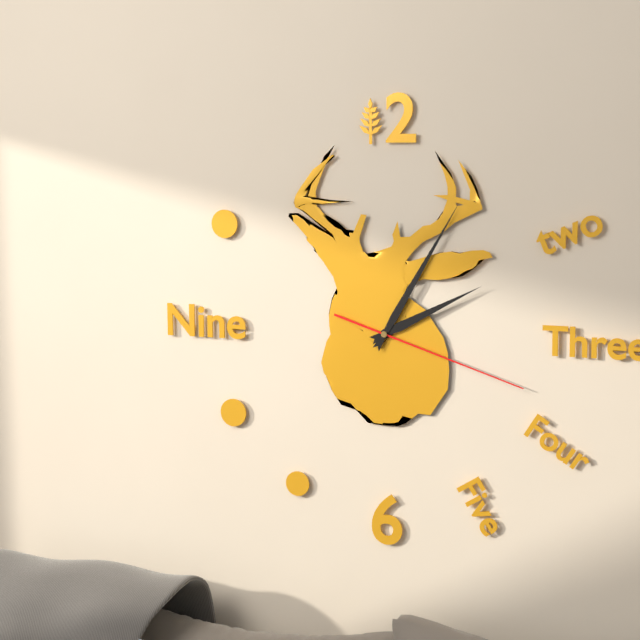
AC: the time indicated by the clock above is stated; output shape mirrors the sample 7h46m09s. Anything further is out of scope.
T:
2h05m18s
